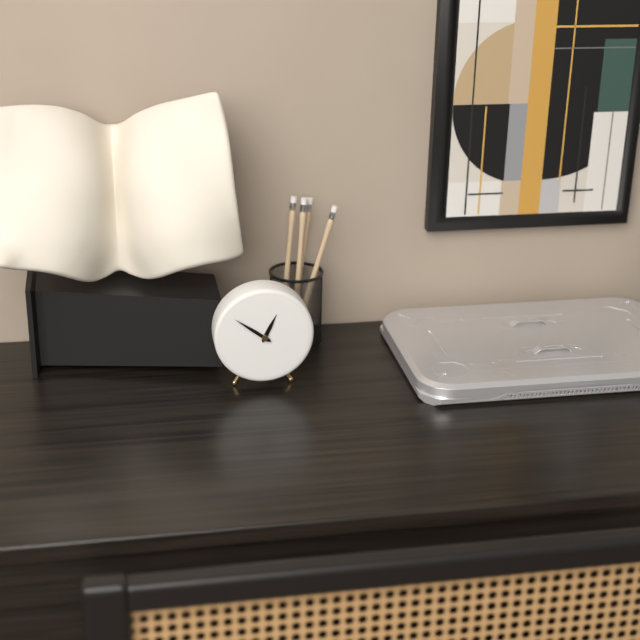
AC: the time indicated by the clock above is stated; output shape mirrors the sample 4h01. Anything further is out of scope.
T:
12h51
